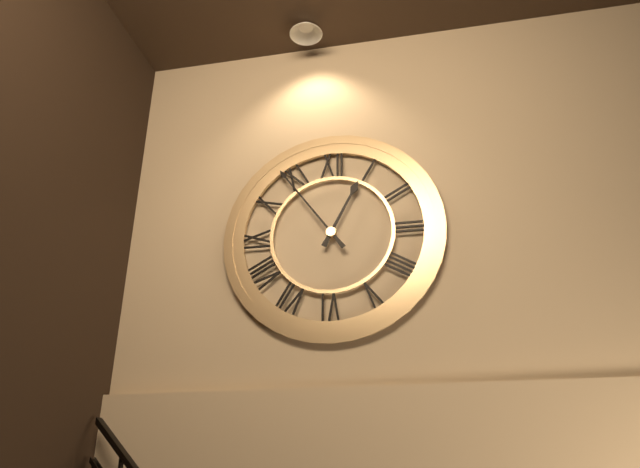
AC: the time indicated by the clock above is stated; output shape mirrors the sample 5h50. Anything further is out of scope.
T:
12h54
